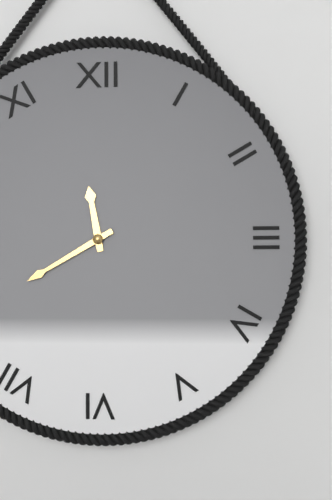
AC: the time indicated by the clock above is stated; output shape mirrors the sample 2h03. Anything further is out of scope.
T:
11h40
